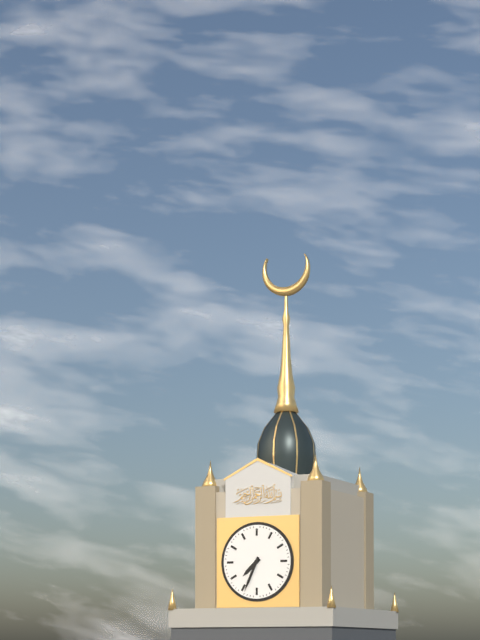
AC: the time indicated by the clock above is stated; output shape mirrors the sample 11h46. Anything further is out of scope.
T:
7h34
